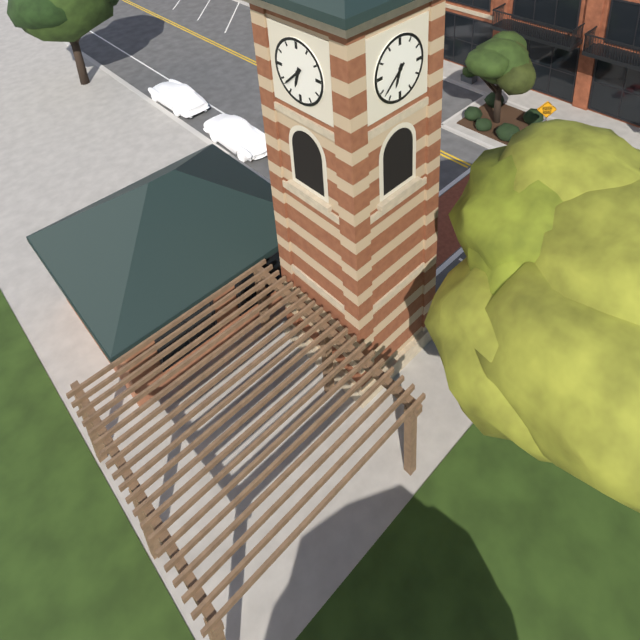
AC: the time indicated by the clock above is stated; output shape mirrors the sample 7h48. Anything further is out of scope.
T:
6h38
